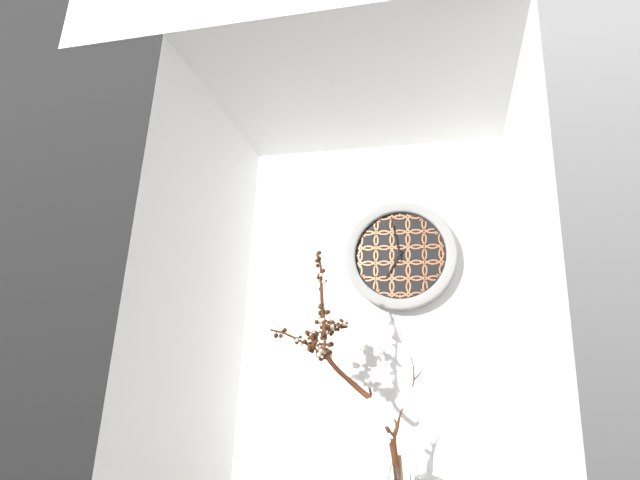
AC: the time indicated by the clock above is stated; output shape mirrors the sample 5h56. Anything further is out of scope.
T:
6h58
